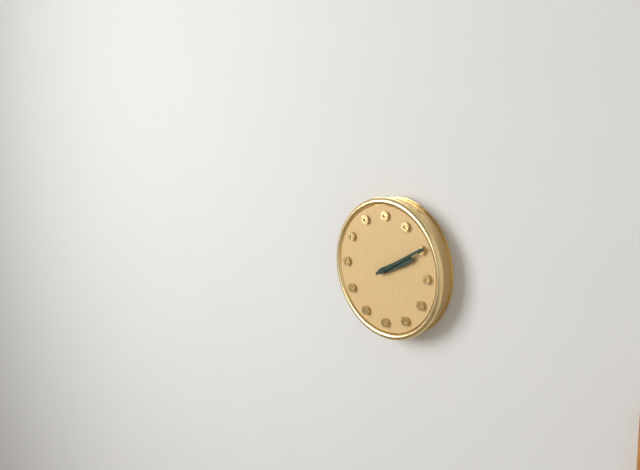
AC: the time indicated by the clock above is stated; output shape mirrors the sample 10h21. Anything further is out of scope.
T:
2h10
